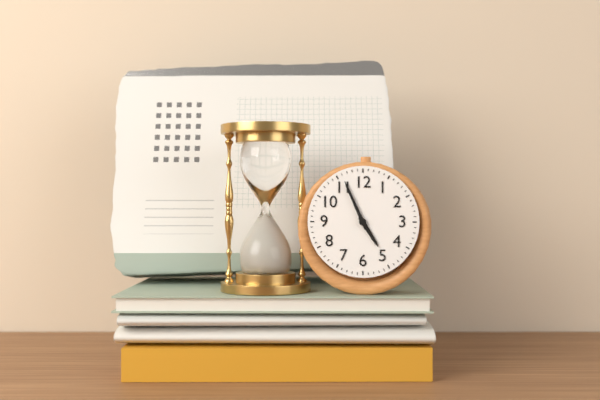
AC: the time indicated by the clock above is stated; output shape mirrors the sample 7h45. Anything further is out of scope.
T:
4h56
